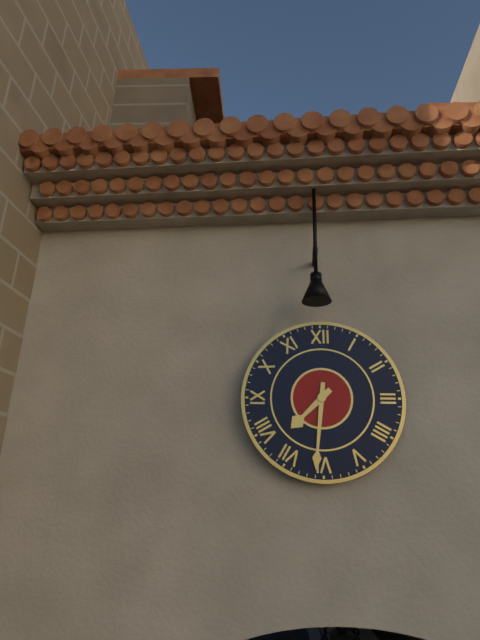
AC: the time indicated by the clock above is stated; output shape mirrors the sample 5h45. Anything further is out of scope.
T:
7h31
